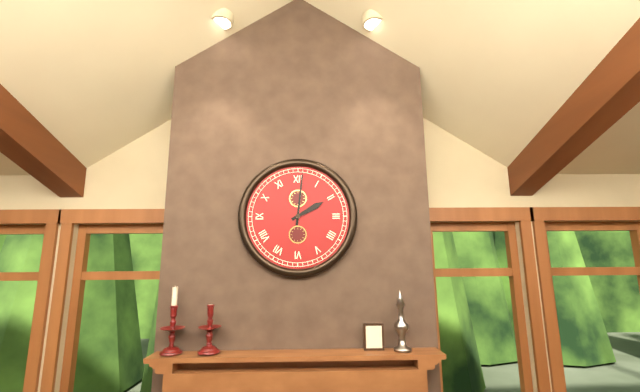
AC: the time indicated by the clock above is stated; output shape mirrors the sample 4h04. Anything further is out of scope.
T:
2h01
